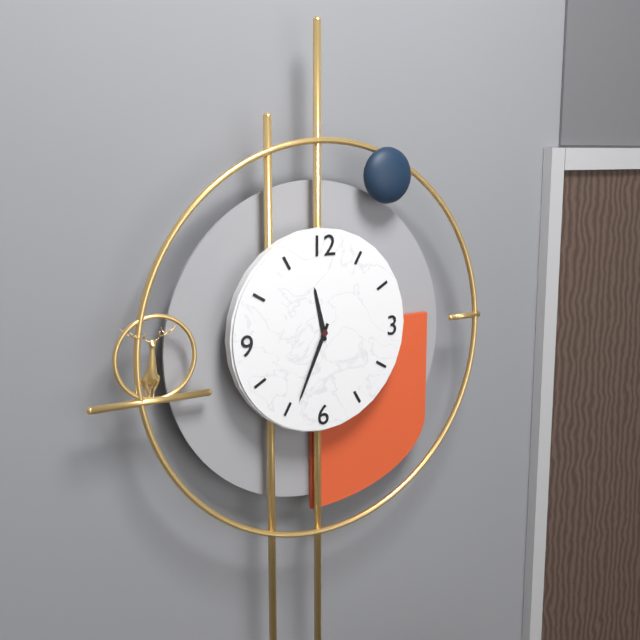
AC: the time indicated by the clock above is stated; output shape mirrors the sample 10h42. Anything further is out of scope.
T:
11h34
